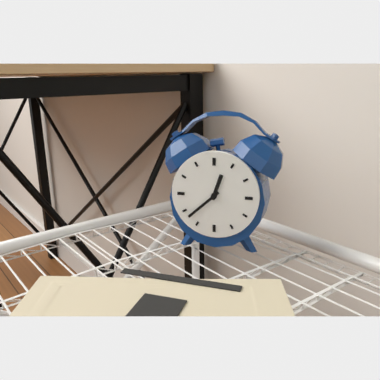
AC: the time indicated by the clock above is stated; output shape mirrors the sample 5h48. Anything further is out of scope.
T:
12h38
